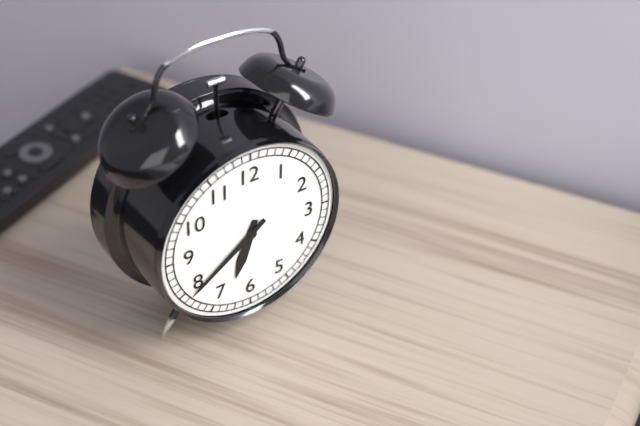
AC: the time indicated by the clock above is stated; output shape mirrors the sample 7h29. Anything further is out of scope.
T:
6h39
